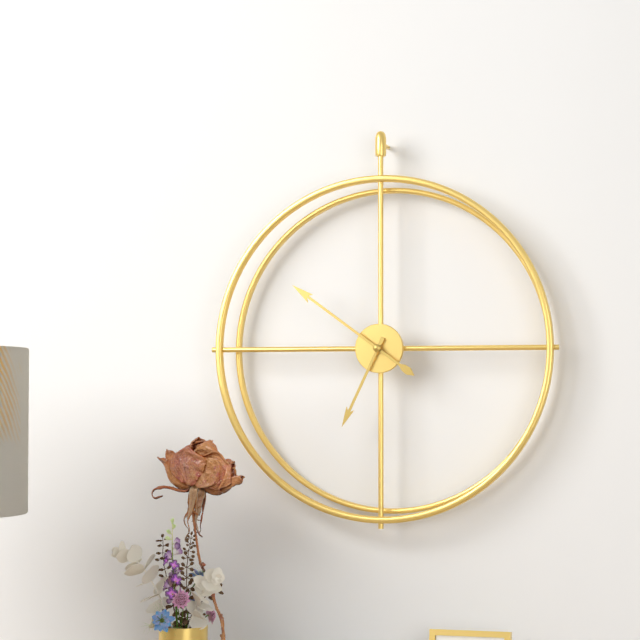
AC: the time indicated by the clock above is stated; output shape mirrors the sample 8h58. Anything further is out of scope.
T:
6h51
